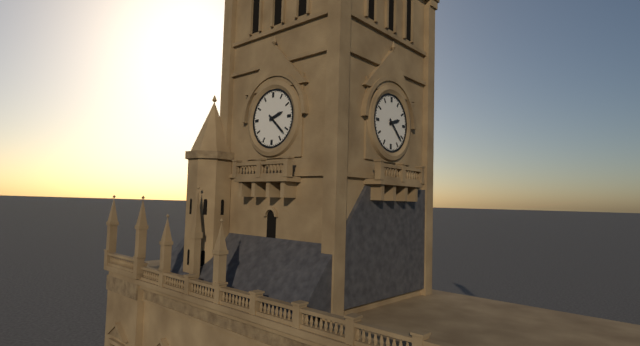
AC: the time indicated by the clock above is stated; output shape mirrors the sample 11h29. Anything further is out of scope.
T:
2h22
